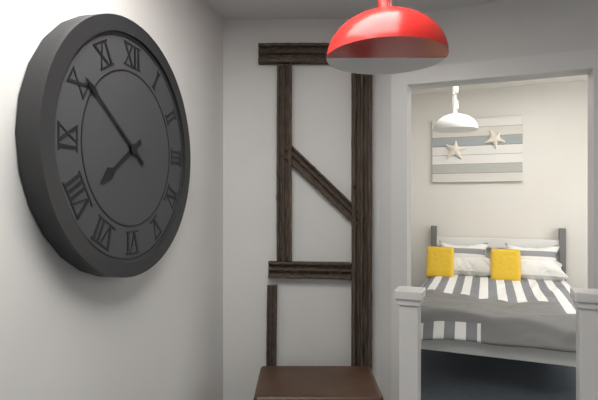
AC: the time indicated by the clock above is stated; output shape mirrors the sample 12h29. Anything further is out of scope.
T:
7h51
